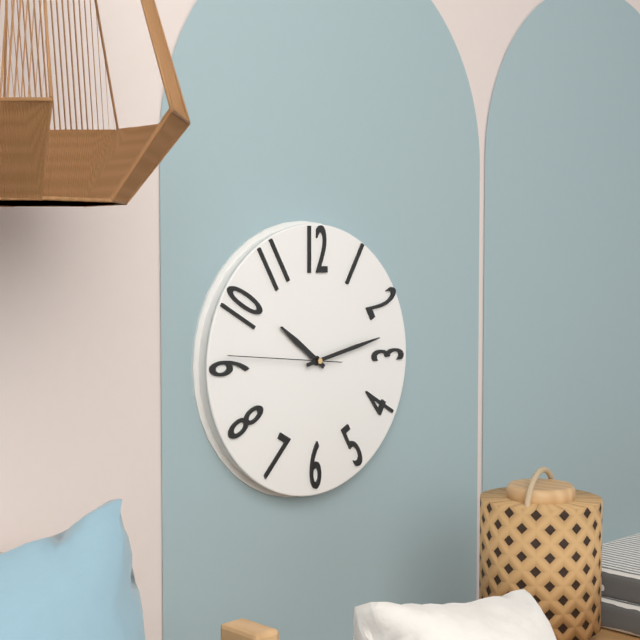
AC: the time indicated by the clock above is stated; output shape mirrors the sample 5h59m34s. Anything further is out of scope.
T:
10h13m46s
